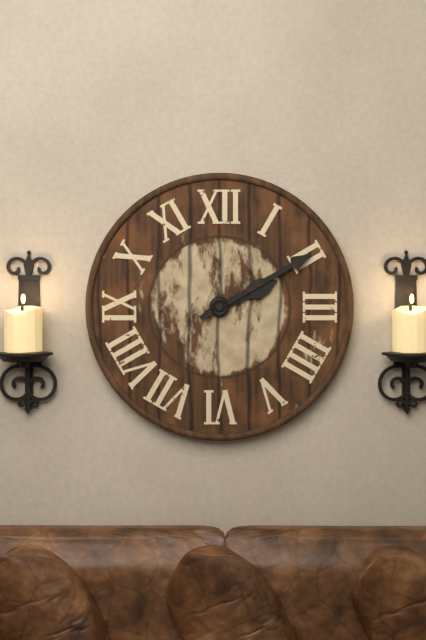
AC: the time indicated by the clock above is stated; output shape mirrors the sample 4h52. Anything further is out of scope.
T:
2h10
